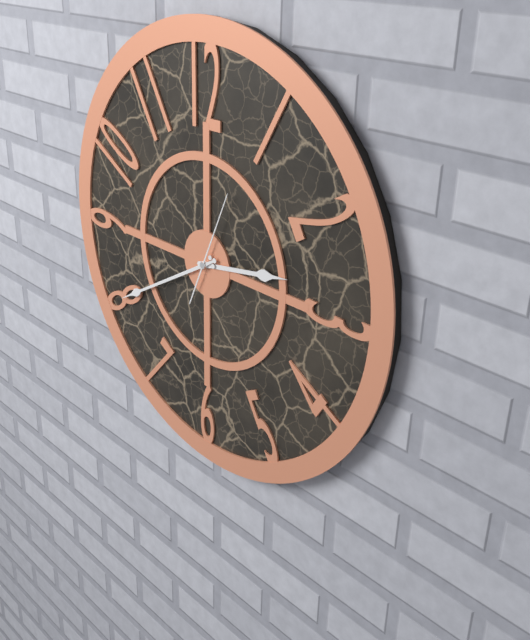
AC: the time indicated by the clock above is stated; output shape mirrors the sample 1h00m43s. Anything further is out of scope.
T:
2h40m04s
